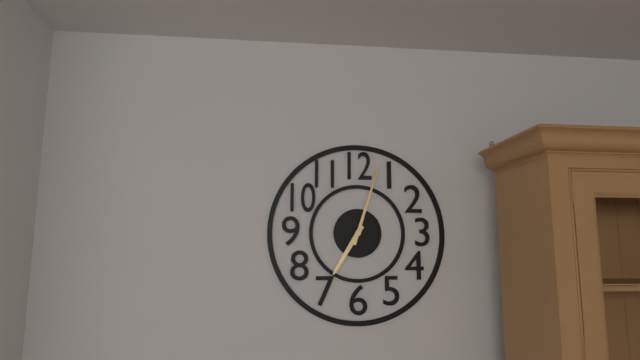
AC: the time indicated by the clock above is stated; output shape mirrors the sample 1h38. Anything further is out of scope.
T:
7h03
